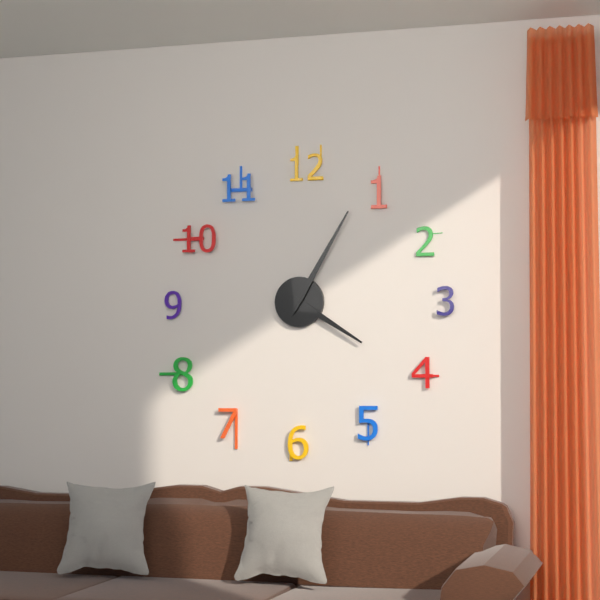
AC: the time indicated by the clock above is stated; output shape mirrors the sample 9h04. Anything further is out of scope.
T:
4h05
